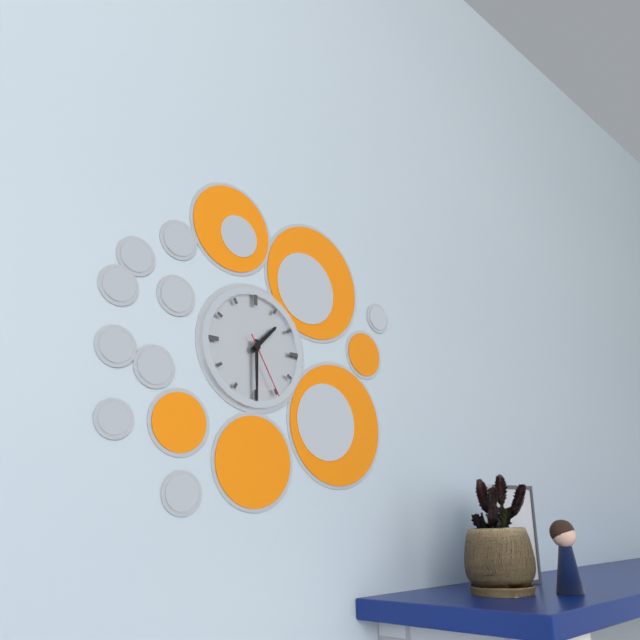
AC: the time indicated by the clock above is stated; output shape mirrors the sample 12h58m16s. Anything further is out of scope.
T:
1h30m25s
